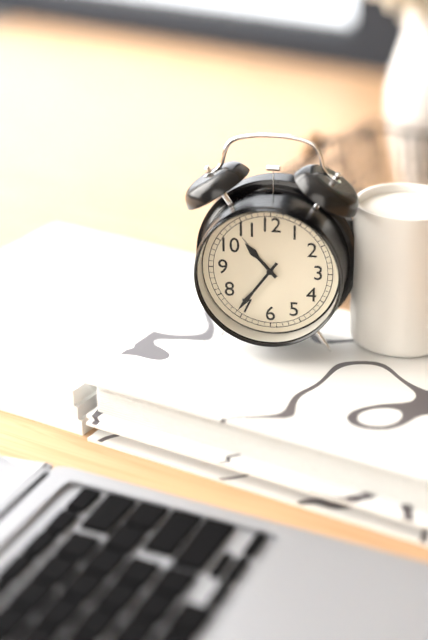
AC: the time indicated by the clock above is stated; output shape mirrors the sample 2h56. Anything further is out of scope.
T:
10h36
